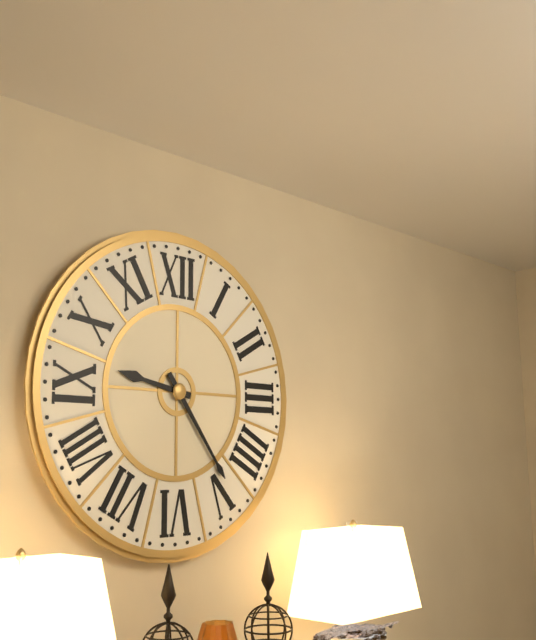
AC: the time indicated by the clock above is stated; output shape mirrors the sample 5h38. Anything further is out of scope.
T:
9h24
